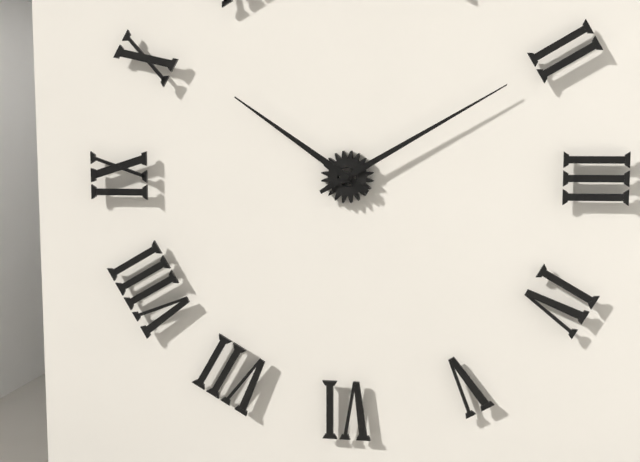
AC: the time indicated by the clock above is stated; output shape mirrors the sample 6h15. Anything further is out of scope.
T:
10h10
